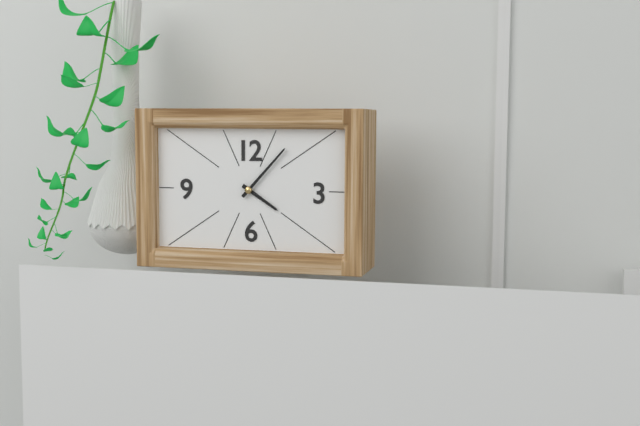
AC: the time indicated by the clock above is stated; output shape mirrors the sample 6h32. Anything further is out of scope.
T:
4h07
